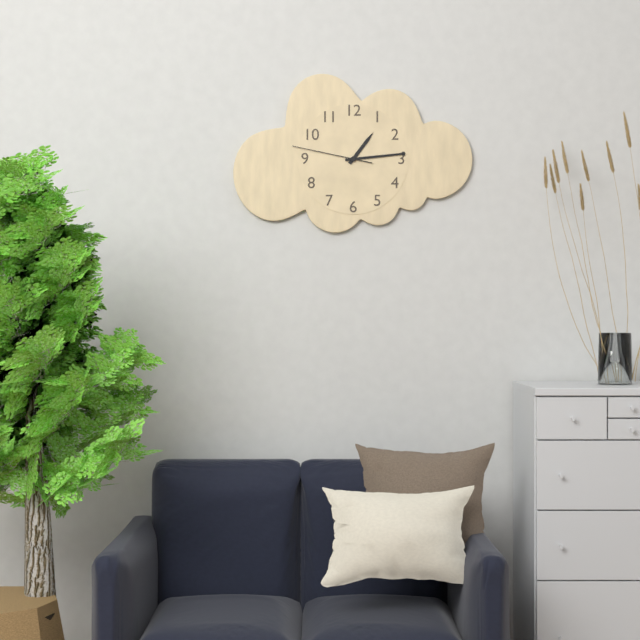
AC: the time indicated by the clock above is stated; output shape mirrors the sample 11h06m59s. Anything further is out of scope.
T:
1h14m47s
